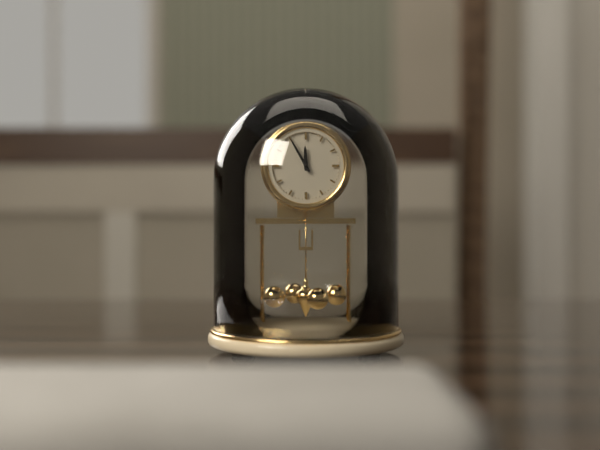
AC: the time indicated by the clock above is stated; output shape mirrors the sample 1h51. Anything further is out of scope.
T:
11h55
